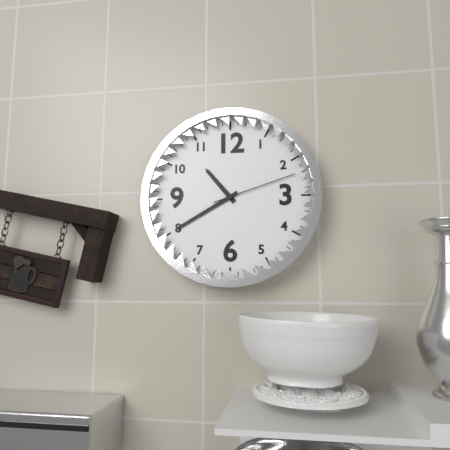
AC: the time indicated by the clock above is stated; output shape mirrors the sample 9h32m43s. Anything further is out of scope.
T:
10h40m12s
